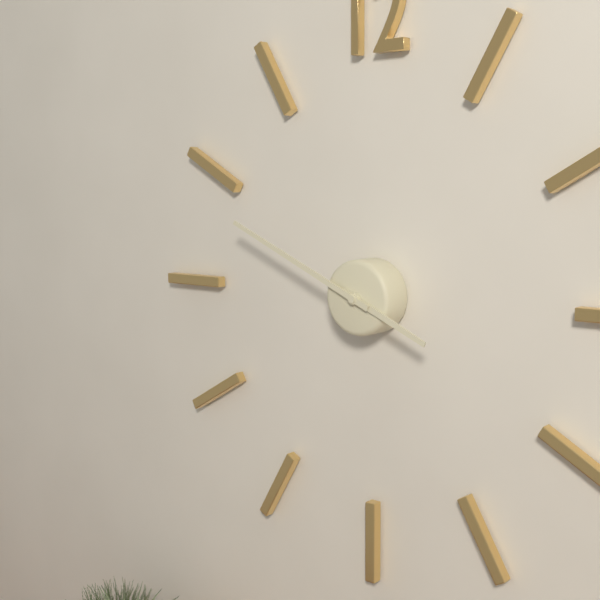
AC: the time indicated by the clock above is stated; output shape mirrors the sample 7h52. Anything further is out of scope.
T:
3h49
